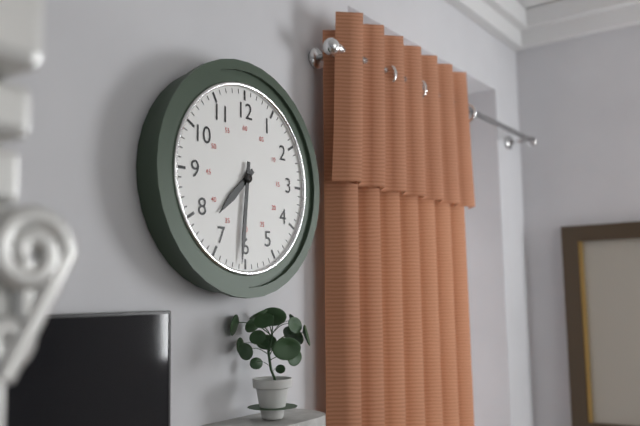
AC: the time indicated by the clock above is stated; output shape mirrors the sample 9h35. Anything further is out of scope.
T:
7h31
